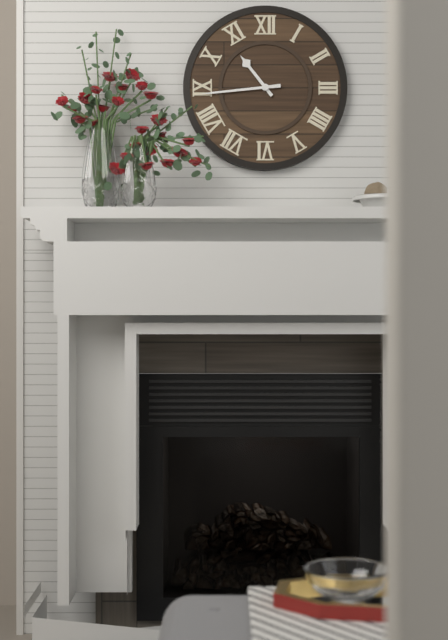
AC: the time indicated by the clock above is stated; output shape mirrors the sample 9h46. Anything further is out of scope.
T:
10h44
